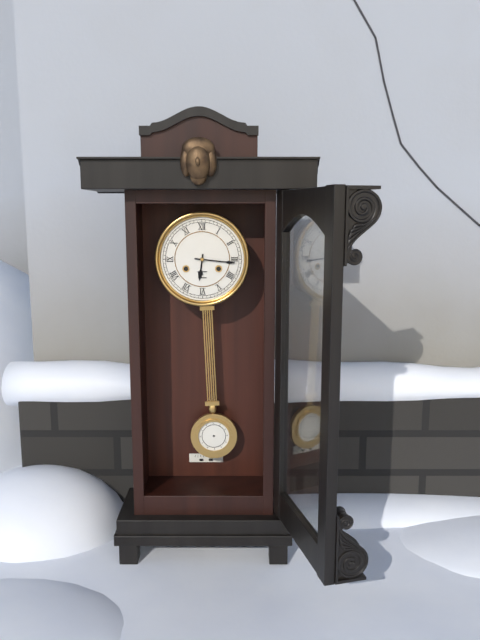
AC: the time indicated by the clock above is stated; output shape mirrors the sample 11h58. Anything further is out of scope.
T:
6h16
